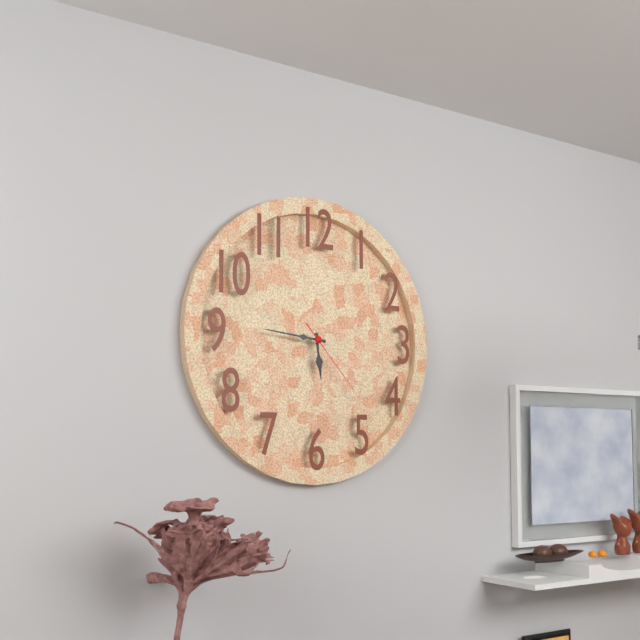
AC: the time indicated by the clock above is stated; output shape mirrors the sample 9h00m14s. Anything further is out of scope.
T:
5h46m23s
